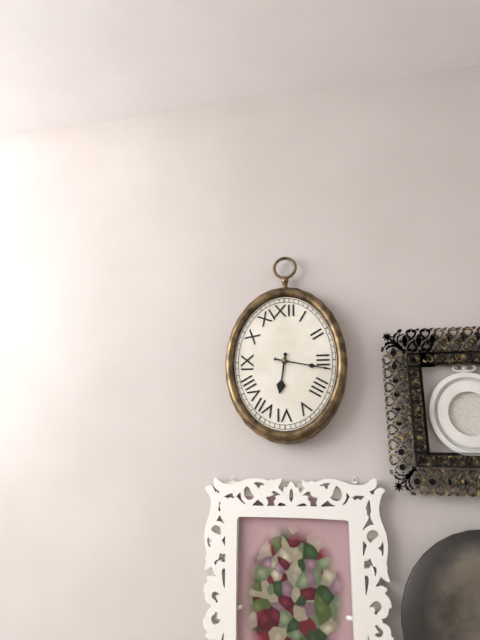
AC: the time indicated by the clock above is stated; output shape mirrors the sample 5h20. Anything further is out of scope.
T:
6h17
